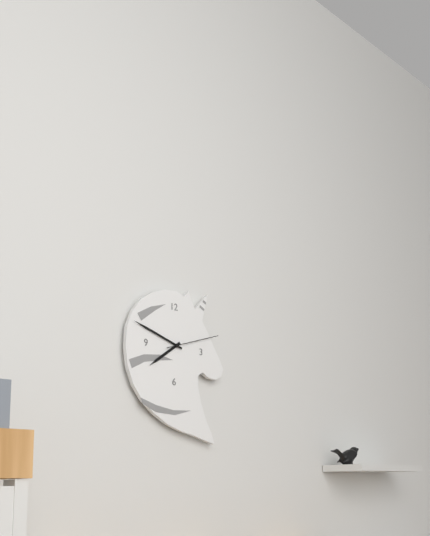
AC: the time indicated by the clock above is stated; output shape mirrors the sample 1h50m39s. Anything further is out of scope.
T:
7h48m12s
